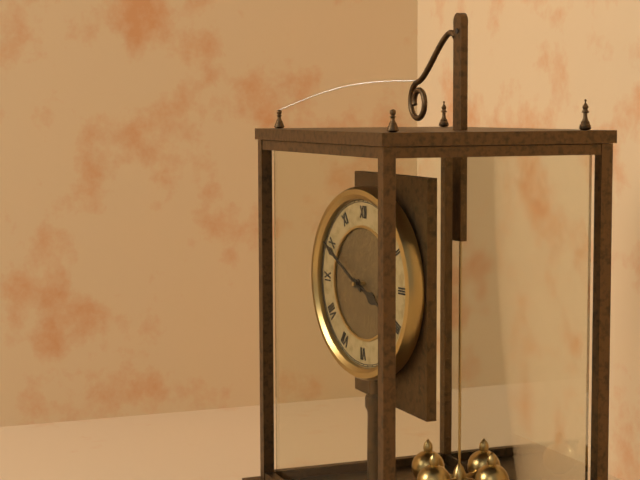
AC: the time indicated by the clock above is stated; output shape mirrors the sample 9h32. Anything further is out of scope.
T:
3h50
